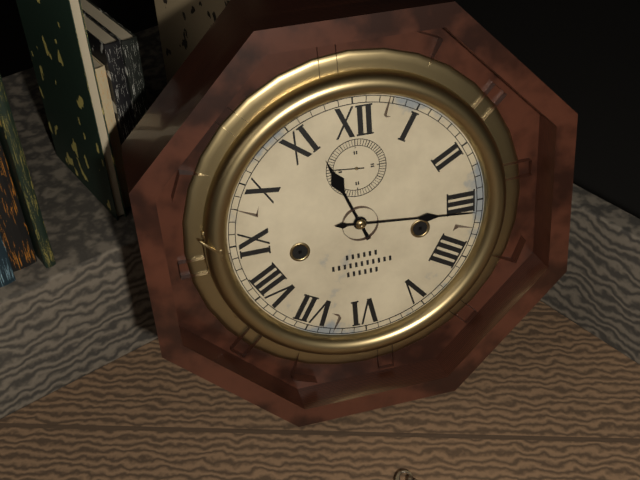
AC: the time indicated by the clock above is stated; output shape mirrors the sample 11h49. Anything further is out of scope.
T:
11h16
